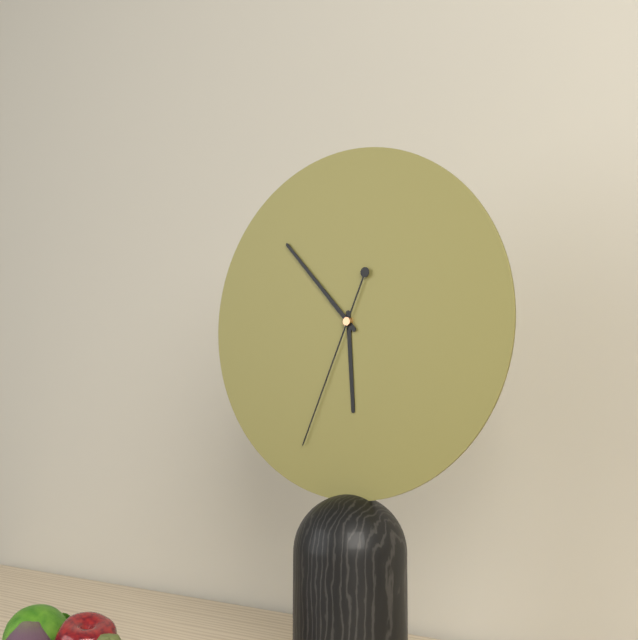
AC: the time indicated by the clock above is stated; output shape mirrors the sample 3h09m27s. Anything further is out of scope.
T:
5h53m34s
